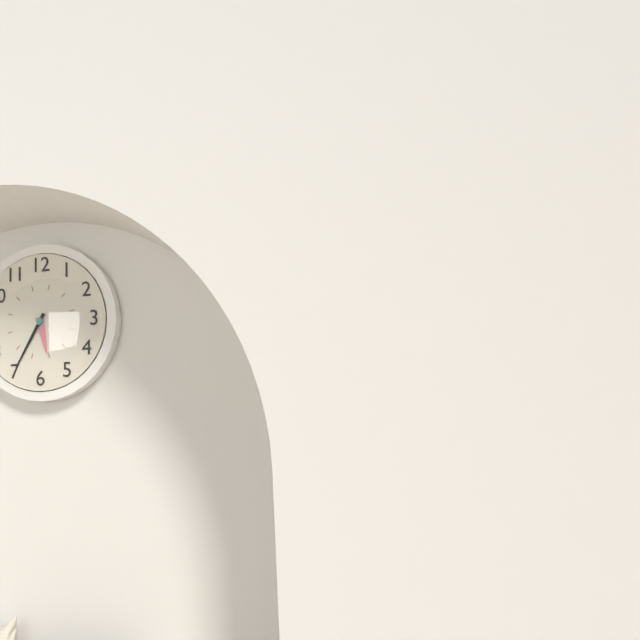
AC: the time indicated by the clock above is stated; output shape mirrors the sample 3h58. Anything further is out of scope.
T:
5h35
